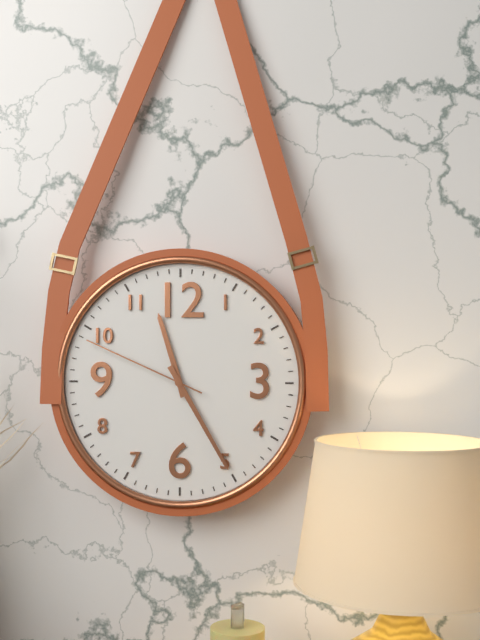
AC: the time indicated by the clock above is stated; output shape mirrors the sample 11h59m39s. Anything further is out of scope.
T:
11h25m49s
